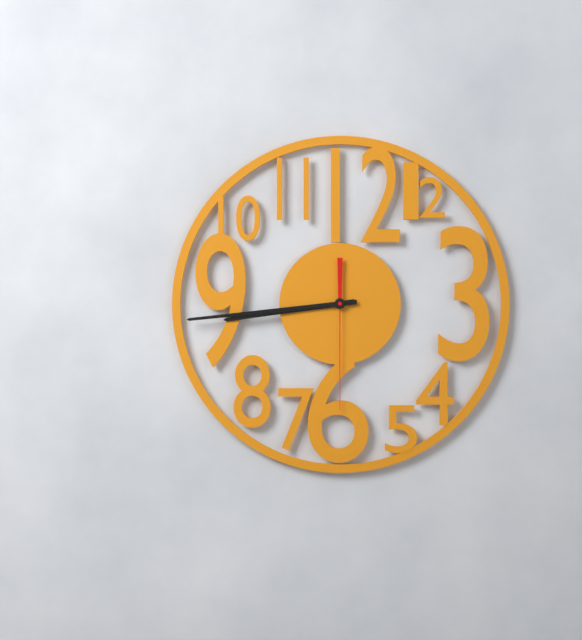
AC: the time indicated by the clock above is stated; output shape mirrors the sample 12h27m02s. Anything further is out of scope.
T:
8h44m30s
